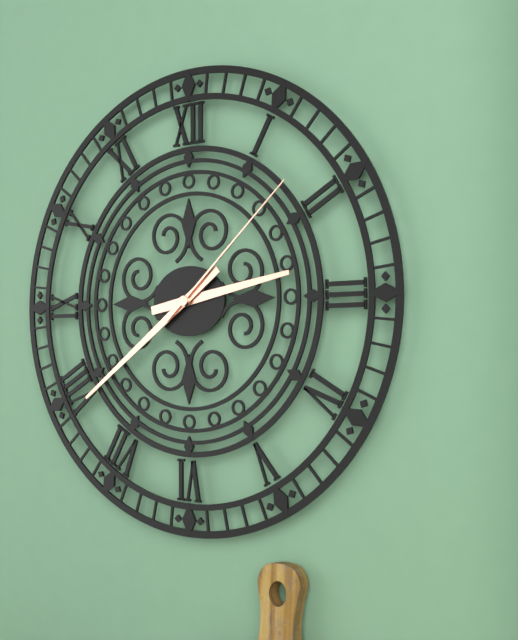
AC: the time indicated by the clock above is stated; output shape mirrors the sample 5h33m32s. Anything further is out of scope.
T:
2h39m08s
